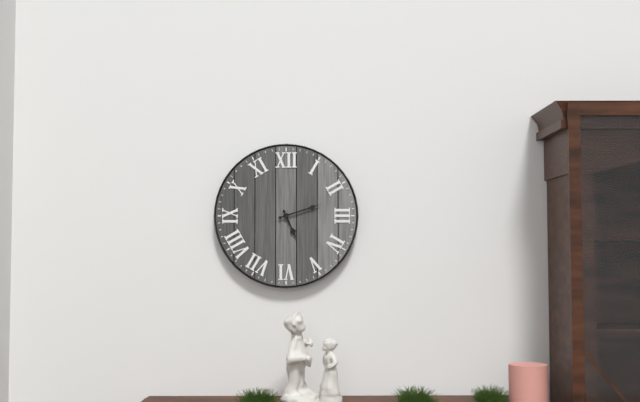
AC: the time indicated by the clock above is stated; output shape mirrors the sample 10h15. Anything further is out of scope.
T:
5h12
